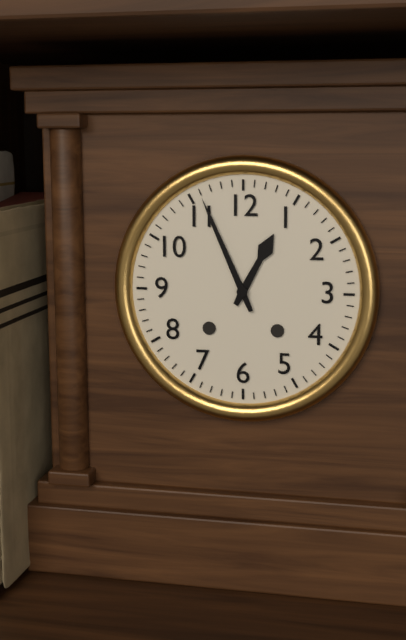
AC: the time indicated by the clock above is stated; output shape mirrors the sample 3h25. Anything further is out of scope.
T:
12h56
